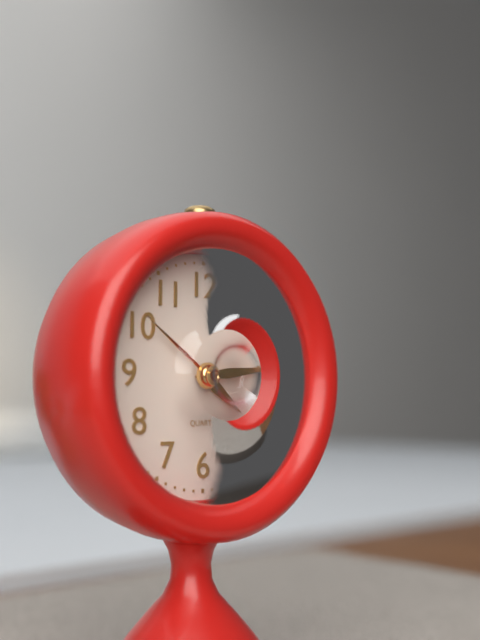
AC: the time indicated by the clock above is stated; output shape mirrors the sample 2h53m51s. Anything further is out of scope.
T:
4h14m51s
